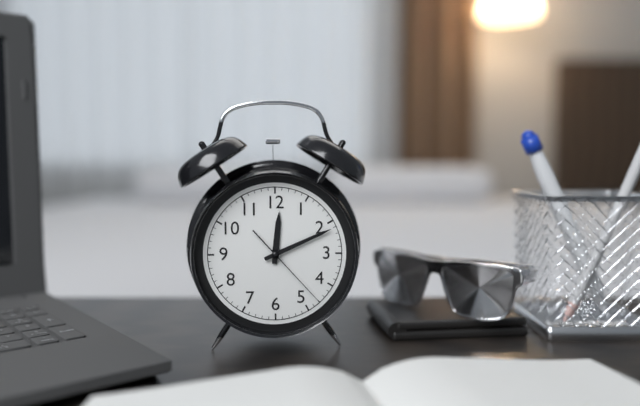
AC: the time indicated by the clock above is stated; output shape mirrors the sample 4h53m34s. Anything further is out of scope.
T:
12h11m23s
